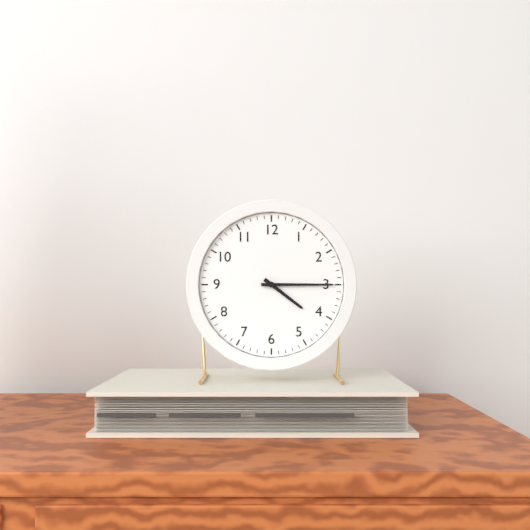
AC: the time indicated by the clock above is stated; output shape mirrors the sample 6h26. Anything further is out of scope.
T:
4h15
